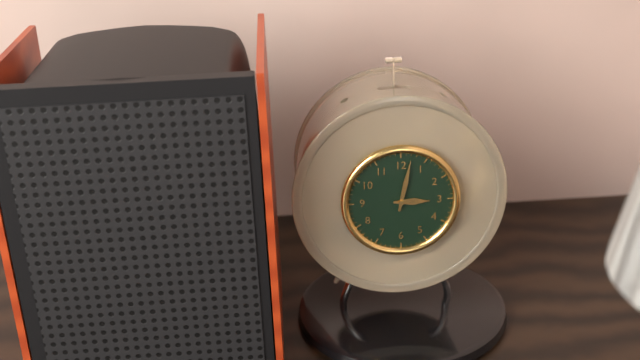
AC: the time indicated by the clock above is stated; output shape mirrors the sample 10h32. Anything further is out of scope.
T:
3h02
